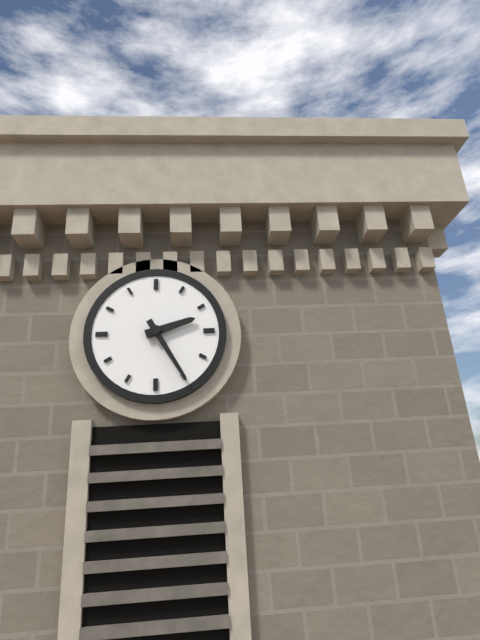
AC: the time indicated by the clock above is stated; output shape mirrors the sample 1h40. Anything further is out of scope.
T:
2h25
